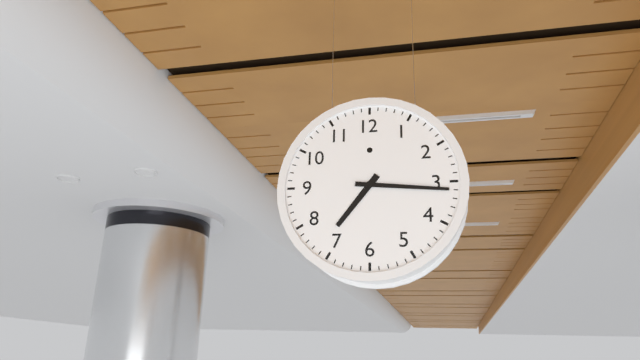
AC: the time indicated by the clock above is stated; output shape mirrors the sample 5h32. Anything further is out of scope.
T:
7h16
